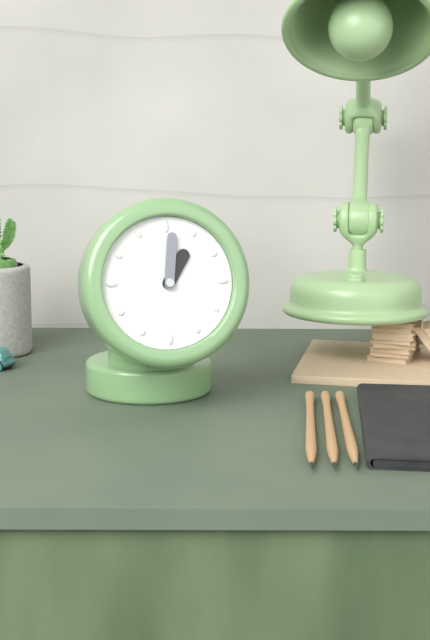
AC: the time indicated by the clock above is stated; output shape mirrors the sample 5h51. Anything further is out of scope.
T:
1h01
